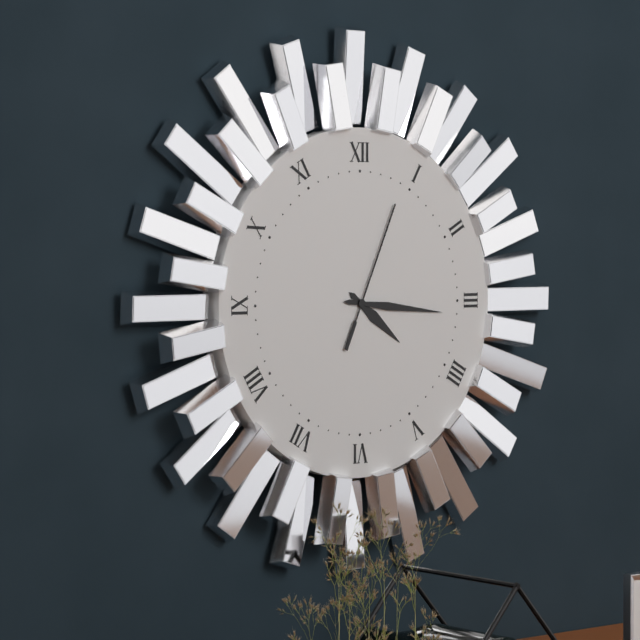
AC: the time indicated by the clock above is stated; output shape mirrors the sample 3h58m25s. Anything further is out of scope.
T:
4h16m04s
